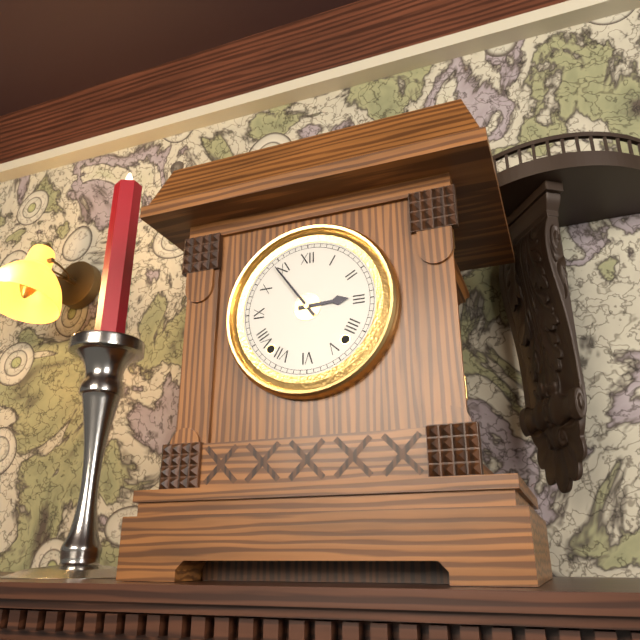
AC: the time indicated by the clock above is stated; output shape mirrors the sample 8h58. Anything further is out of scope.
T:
2h54
